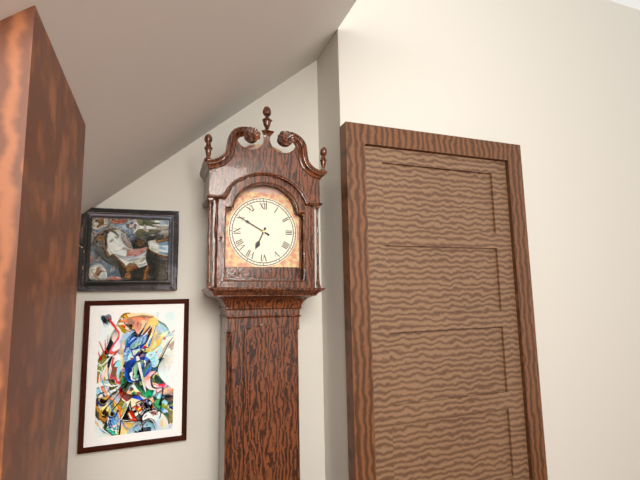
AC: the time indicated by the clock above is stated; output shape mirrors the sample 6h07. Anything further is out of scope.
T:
6h50
